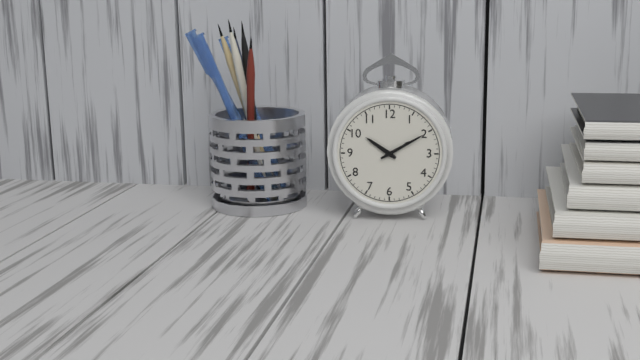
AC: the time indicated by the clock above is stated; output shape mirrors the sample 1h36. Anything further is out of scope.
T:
10h10
